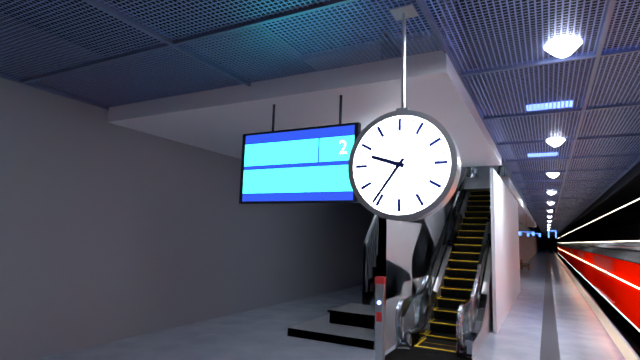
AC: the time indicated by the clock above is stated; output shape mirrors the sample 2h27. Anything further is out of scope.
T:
9h36
